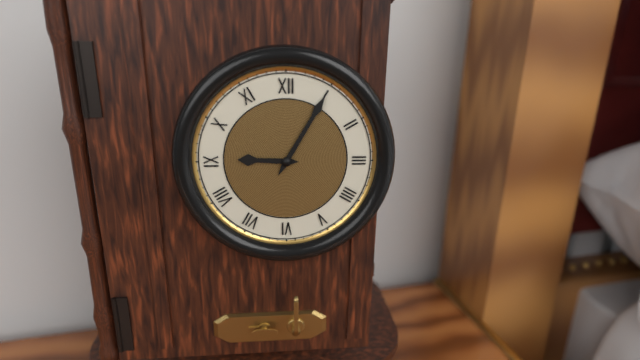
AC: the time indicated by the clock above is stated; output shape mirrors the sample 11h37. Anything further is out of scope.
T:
9h05
